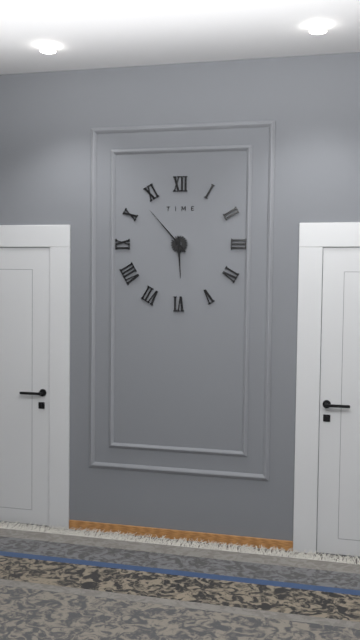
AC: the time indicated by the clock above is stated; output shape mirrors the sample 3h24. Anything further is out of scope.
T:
5h53
